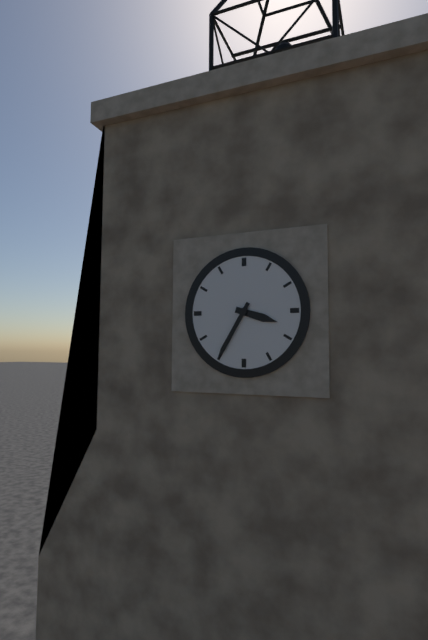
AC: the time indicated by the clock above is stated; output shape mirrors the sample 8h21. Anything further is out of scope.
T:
3h35
